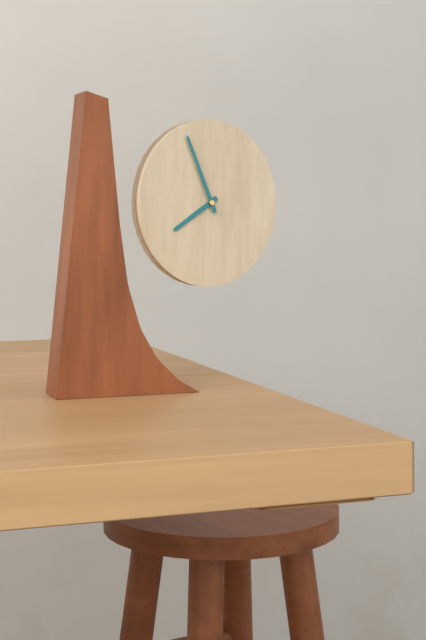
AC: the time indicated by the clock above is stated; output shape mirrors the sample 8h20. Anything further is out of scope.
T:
7h56
